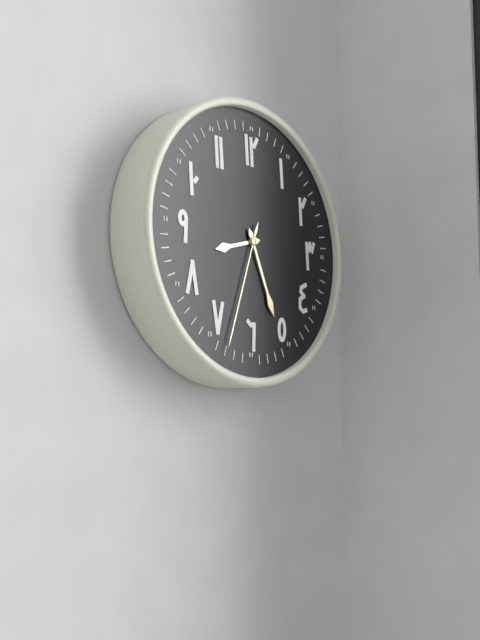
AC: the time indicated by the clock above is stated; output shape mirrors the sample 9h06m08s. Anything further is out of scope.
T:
8h26m33s
